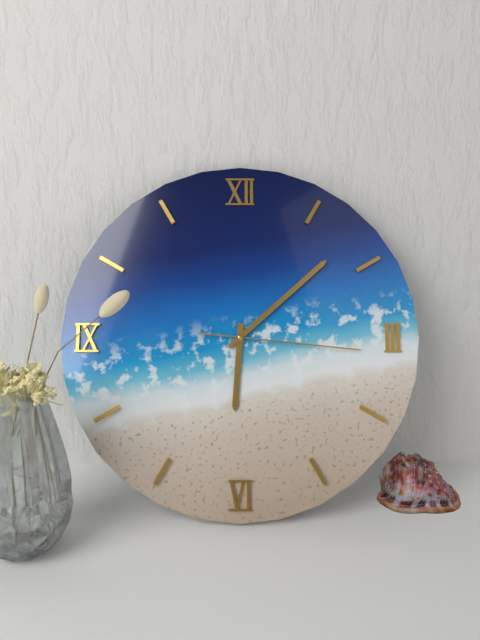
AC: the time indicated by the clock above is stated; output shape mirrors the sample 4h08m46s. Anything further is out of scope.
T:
6h08m16s
